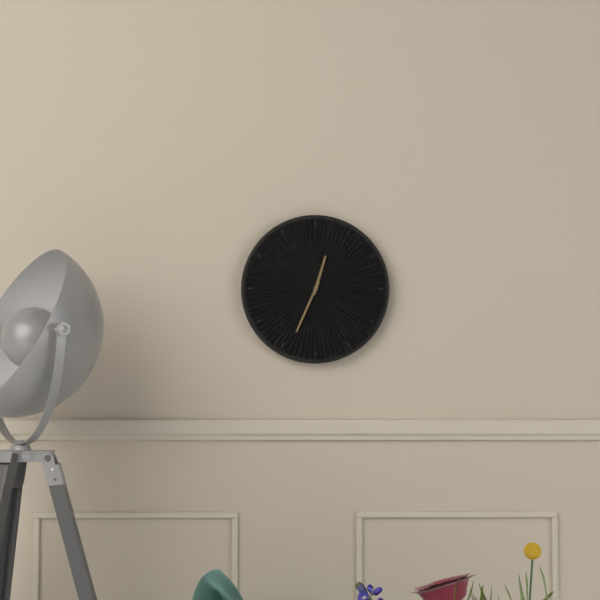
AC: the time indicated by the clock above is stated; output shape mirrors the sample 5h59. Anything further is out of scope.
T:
12h34
